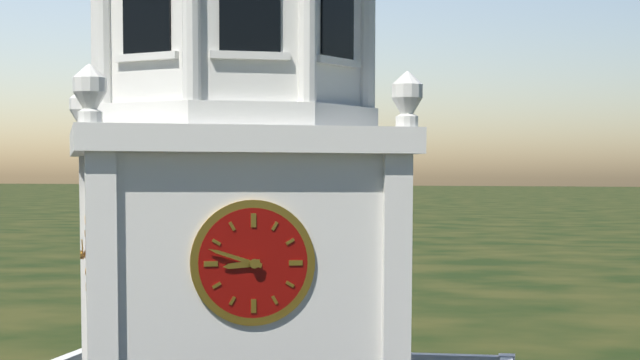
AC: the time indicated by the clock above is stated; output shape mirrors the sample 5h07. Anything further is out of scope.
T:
8h48
